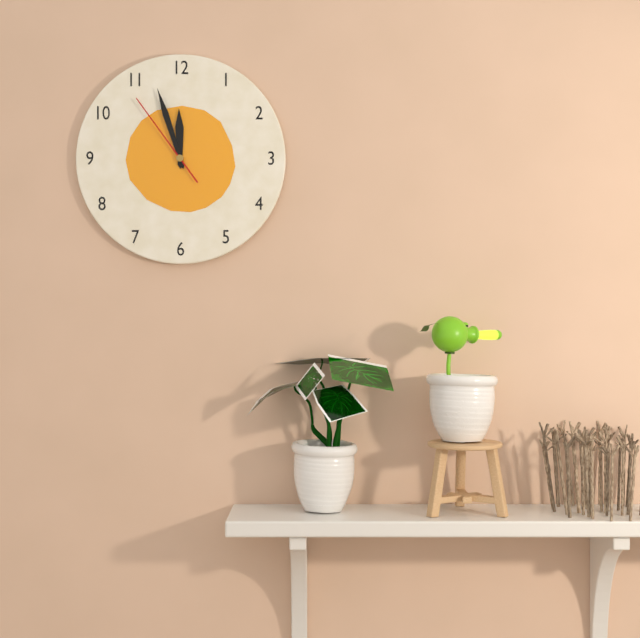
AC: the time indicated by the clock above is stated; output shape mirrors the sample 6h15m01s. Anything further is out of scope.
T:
11h57m54s
